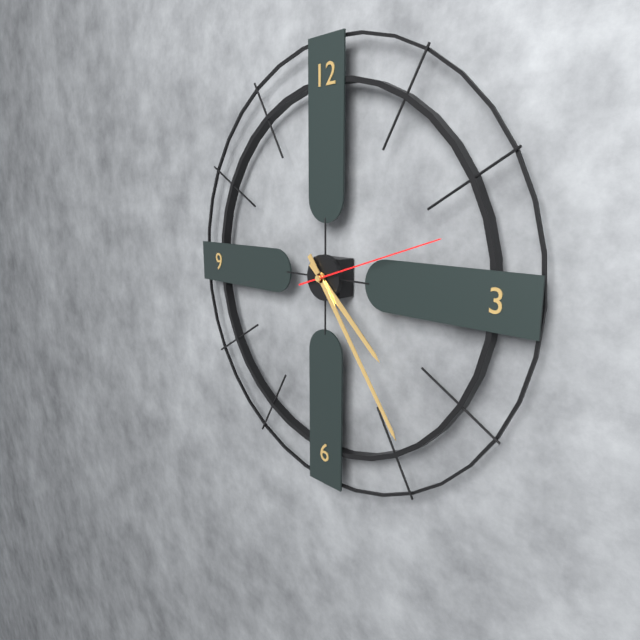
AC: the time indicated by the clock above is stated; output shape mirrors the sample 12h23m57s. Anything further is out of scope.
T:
4h24m12s
